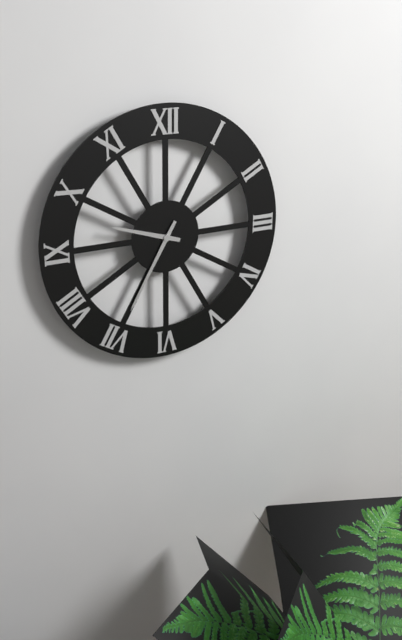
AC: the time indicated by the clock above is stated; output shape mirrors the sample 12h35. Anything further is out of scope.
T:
9h35
